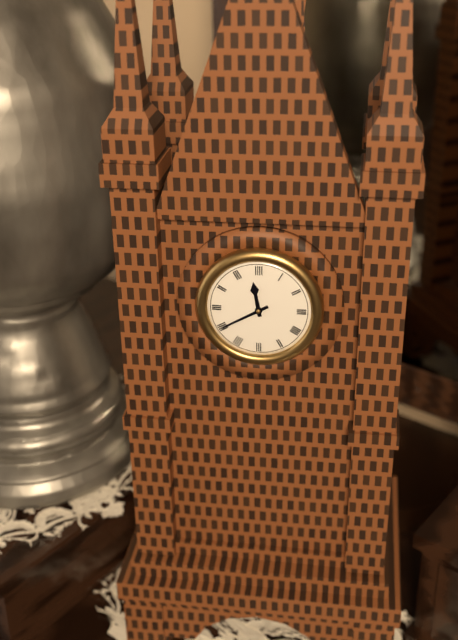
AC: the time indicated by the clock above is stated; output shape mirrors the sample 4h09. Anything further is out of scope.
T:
11h40
